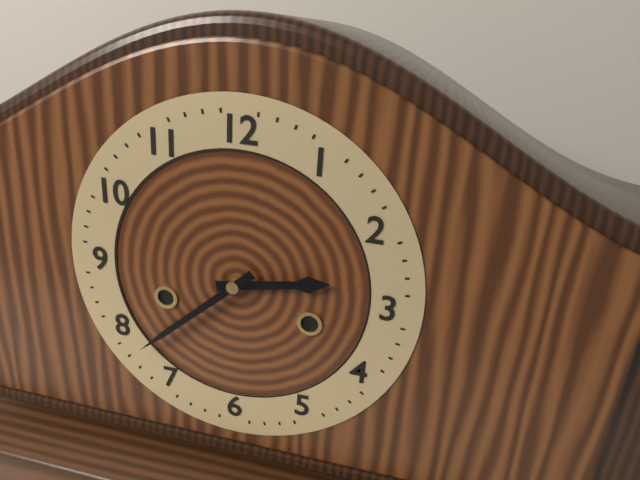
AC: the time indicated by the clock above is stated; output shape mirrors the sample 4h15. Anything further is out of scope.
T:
2h38
